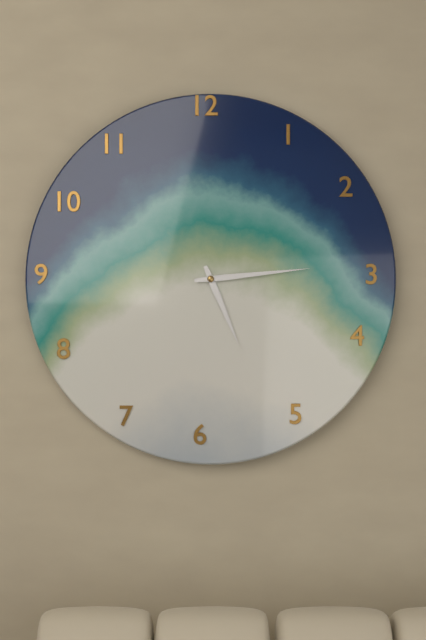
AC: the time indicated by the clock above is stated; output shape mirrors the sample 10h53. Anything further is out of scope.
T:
5h14
